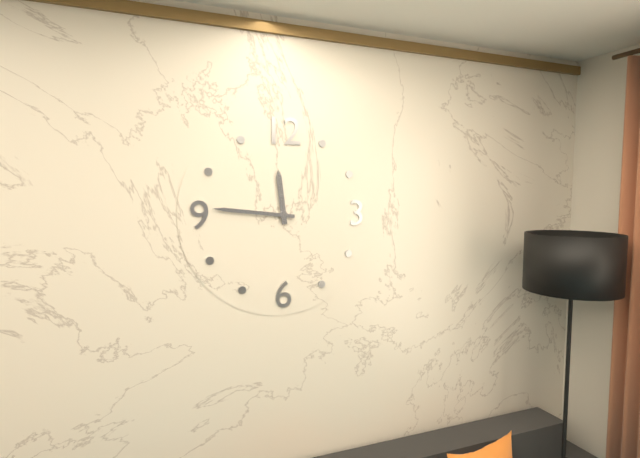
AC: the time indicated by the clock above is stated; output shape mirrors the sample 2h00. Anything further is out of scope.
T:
11h46
